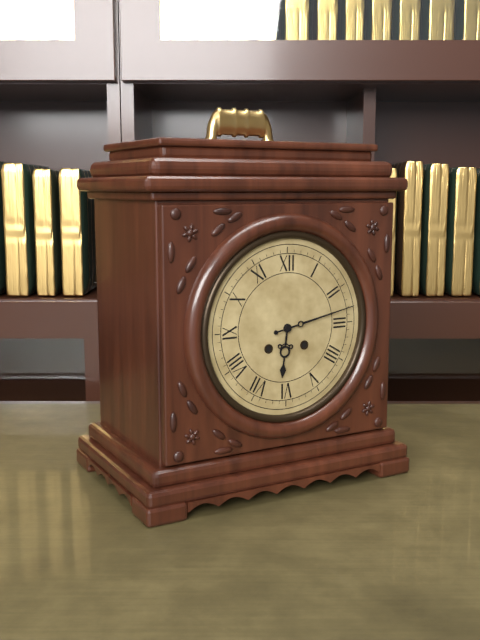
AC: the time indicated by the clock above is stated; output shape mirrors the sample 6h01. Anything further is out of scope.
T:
6h13
